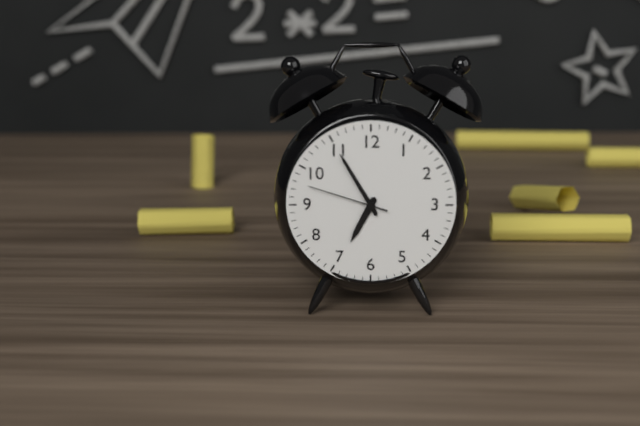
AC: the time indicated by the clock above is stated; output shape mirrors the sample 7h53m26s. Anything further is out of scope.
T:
6h55m48s
